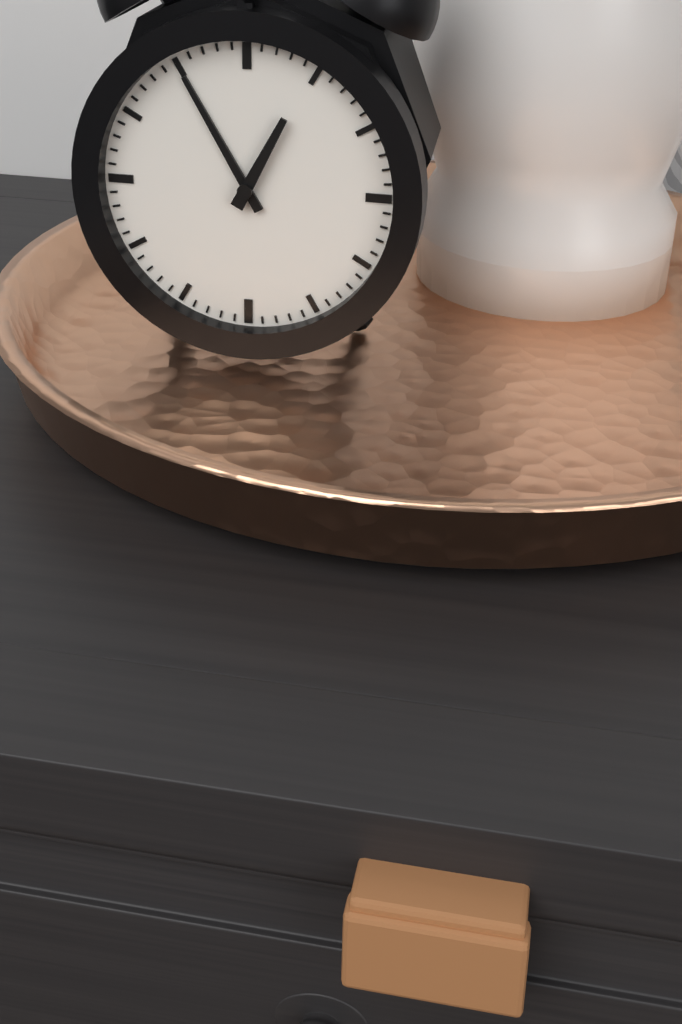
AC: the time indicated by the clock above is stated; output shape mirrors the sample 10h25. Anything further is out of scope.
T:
12h55
